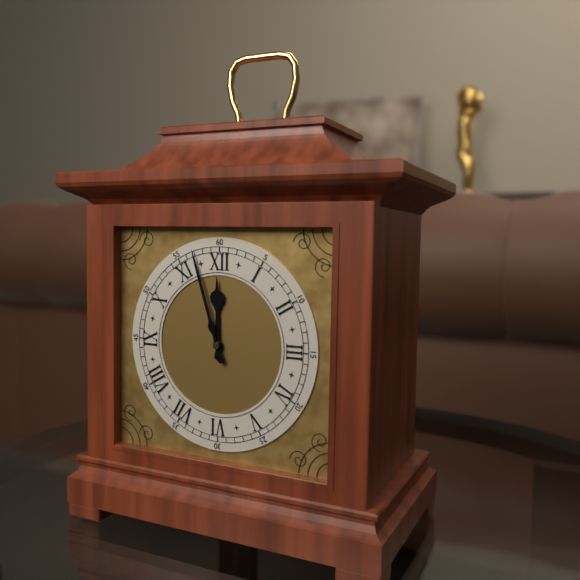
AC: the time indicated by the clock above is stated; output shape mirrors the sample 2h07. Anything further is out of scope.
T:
11h57
